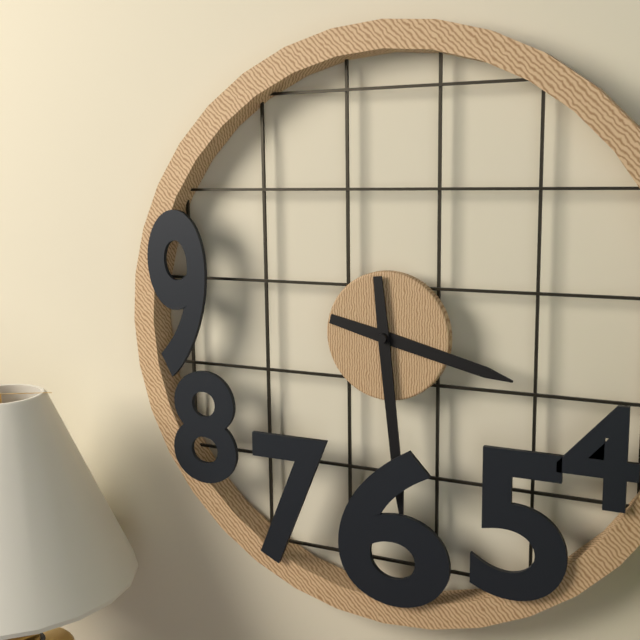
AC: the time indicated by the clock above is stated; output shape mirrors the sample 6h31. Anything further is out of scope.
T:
3h29
